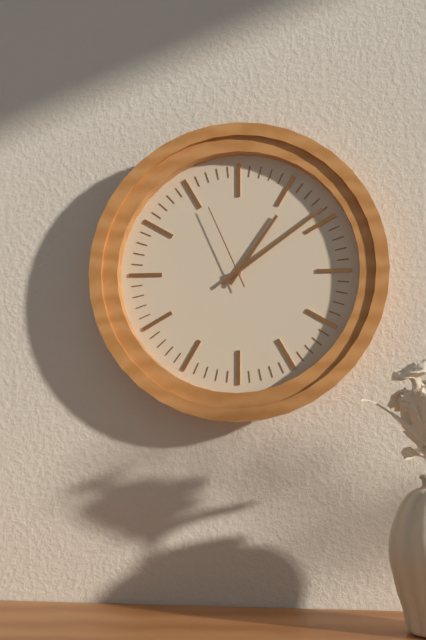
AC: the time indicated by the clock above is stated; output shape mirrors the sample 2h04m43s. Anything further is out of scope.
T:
1h09m56s
